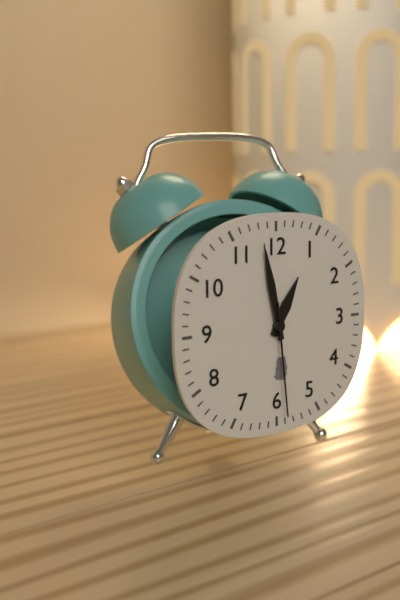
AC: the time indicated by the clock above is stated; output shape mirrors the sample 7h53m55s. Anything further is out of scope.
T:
12h58m29s
